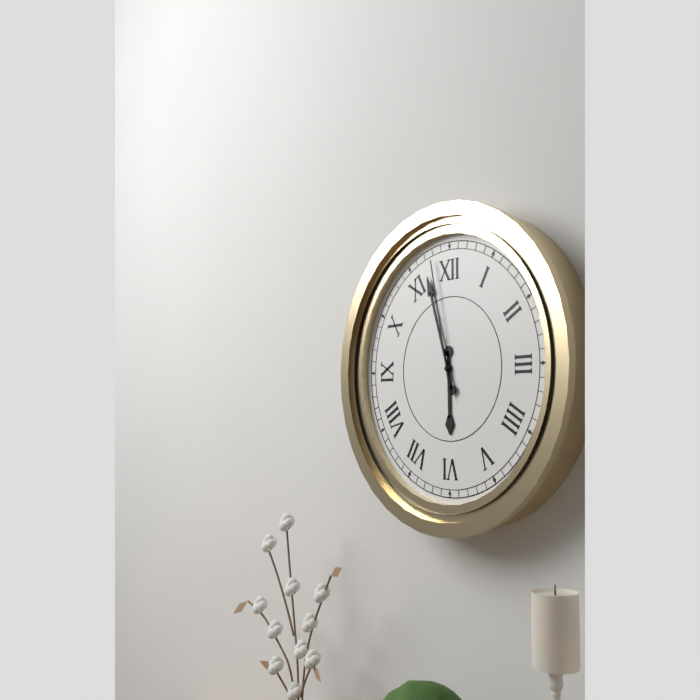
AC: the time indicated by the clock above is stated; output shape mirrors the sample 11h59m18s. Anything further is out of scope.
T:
5h57m58s
